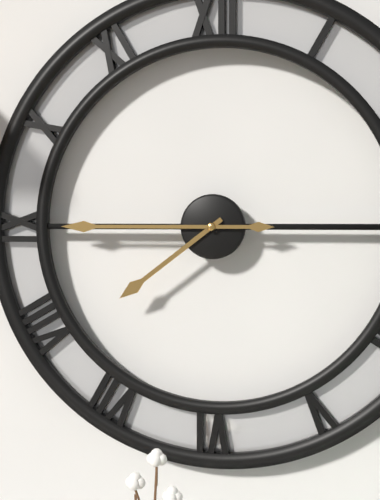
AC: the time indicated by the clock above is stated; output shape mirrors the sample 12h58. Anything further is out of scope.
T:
7h45
